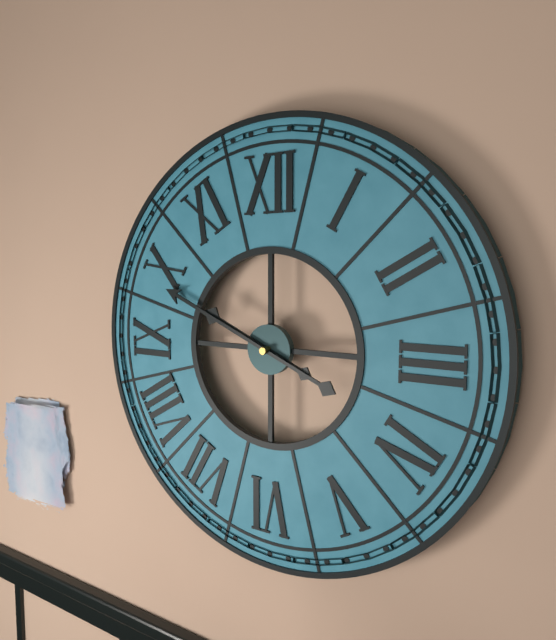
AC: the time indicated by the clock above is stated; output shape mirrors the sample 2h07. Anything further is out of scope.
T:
9h49
